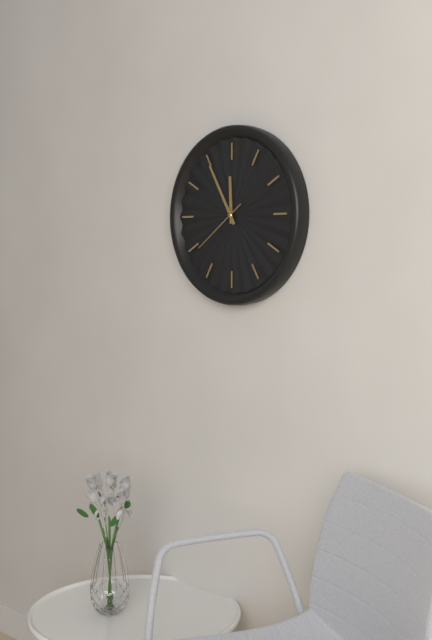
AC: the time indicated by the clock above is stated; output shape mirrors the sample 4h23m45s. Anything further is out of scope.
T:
11h55m39s
